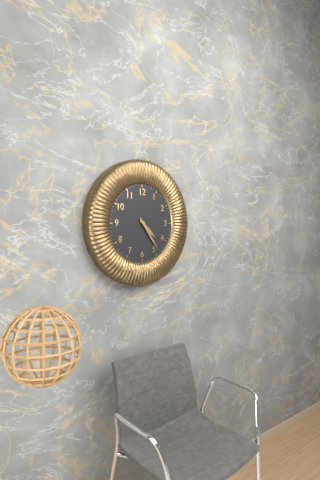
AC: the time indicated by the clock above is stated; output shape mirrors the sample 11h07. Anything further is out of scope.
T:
4h24
